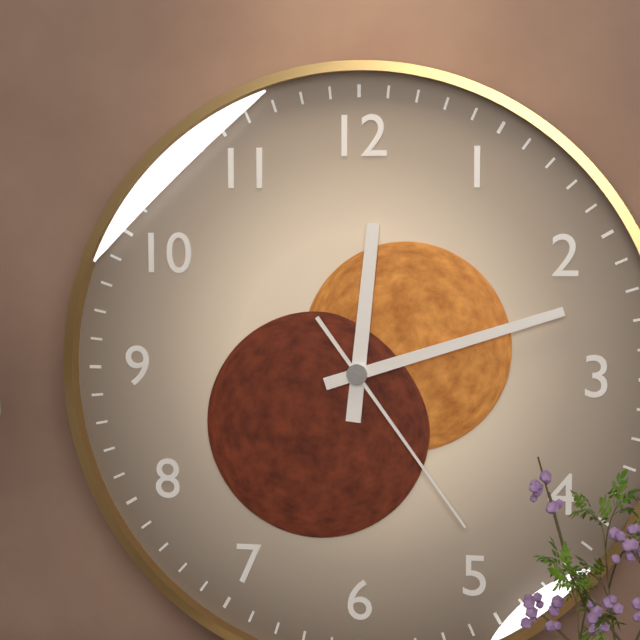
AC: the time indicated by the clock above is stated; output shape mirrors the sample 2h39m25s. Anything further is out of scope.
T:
12h12m24s
